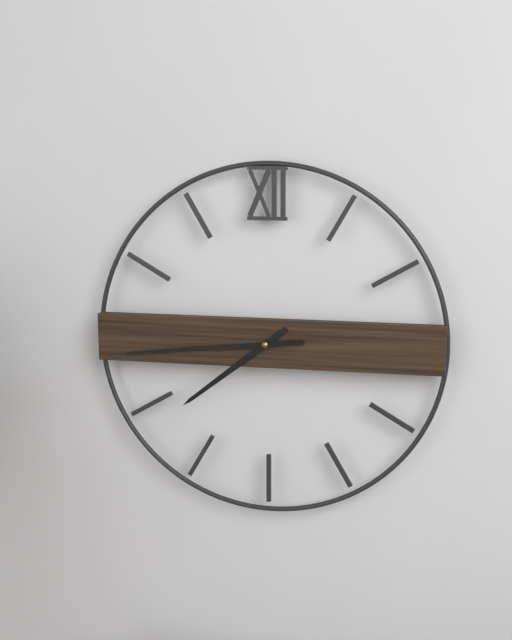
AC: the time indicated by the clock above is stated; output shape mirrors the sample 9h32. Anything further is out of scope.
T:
7h44
